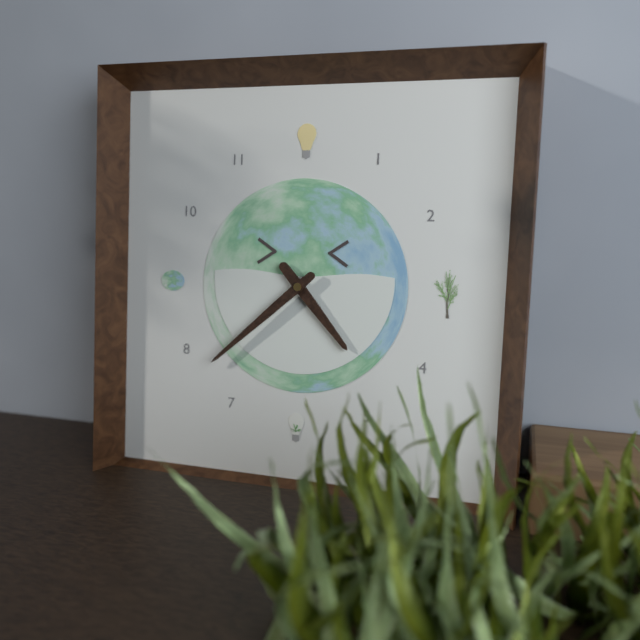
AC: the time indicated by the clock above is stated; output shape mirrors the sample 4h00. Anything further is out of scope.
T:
4h38
